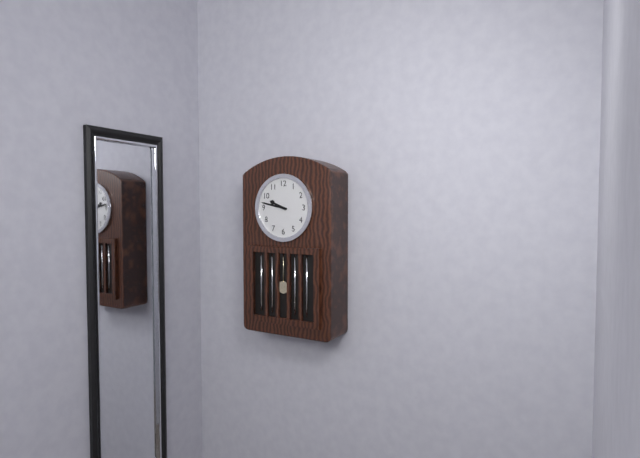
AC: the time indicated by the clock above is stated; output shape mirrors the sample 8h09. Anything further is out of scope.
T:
9h47
